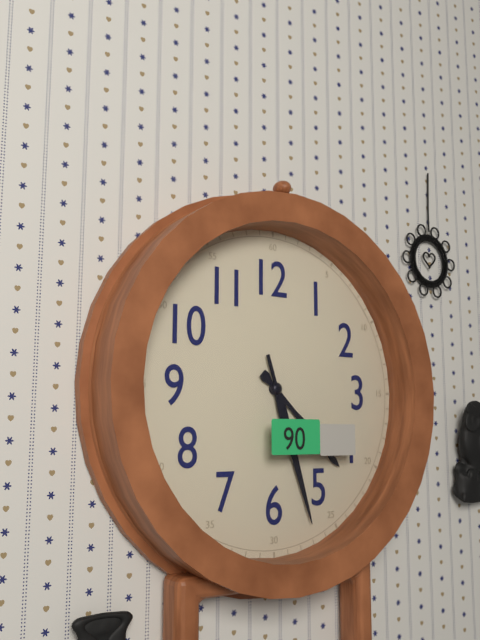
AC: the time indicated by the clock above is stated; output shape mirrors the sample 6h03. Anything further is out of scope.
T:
4h27
